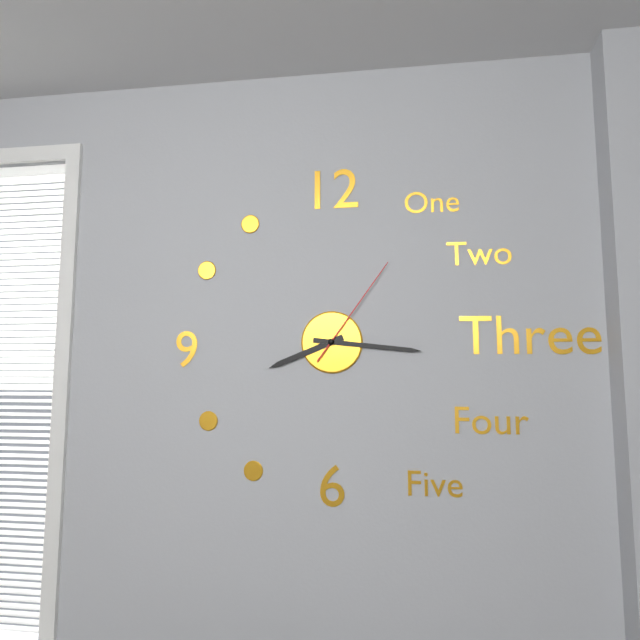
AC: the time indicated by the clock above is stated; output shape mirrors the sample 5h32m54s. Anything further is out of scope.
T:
8h16m06s
